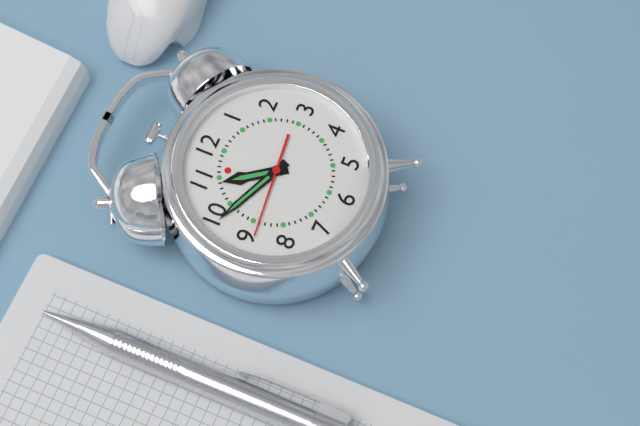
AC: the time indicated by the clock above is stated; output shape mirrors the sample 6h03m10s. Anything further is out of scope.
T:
10h49m44s
